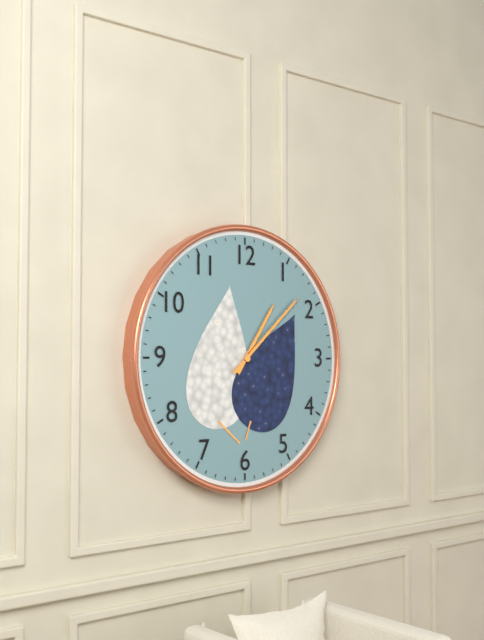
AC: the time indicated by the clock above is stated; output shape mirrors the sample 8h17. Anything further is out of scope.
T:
1h08
